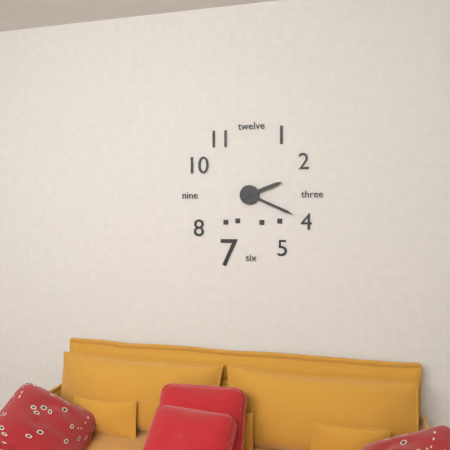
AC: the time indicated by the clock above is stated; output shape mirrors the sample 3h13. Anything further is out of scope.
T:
2h19
